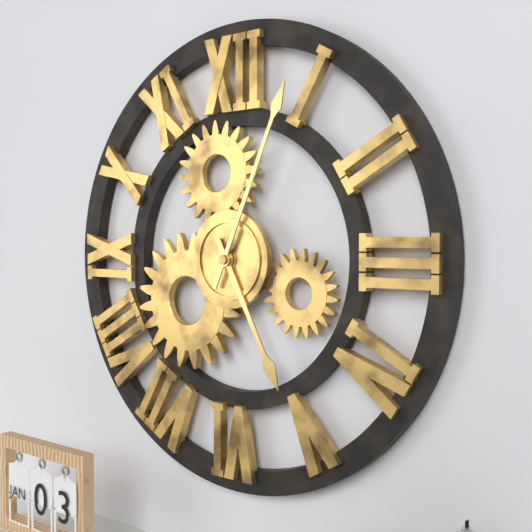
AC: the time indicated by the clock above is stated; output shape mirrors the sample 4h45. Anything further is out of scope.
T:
5h04
